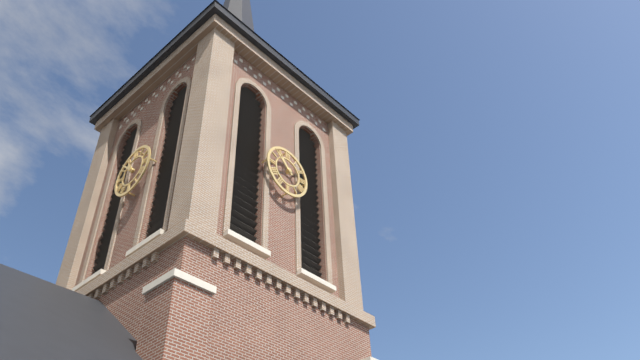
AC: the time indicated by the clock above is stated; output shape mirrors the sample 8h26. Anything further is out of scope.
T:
10h52
